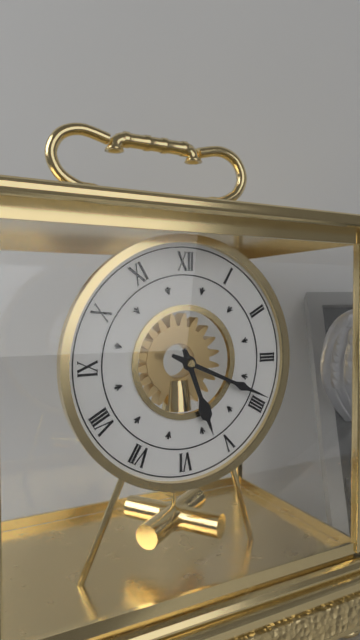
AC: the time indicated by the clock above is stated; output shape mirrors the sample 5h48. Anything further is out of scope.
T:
5h19
